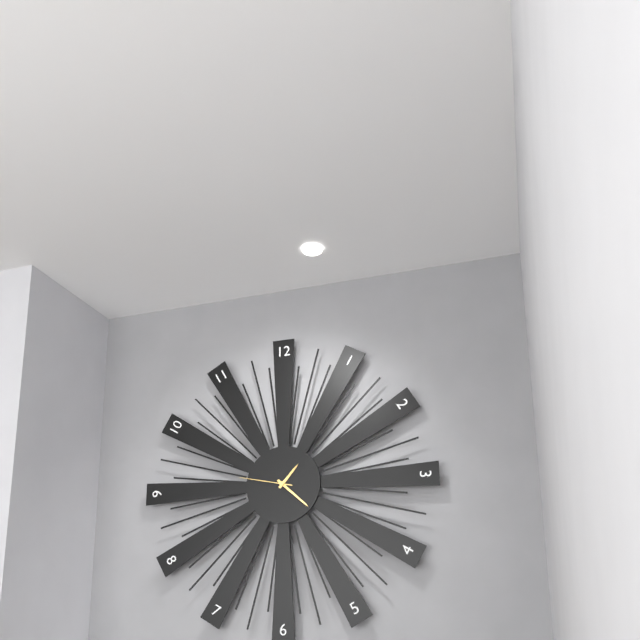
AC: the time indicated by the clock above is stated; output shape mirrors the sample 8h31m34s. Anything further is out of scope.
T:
1h22m47s
